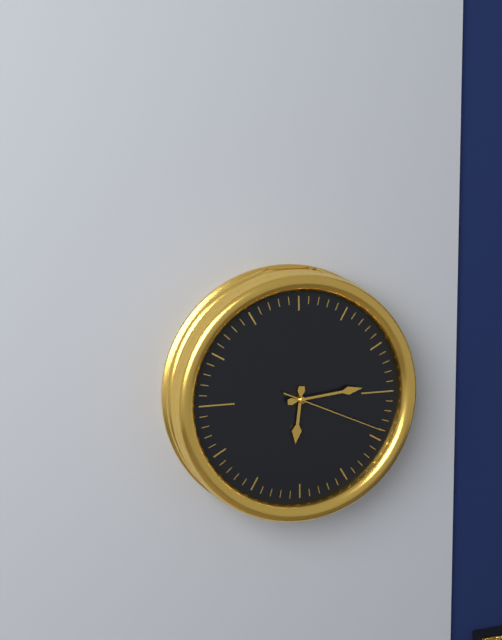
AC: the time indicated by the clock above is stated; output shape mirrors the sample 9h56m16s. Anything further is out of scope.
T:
6h14m19s
